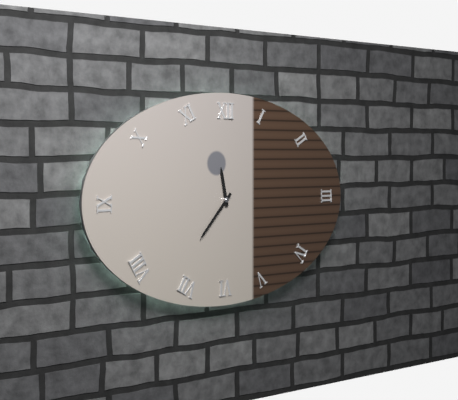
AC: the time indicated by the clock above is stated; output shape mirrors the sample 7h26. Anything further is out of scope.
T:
11h37
